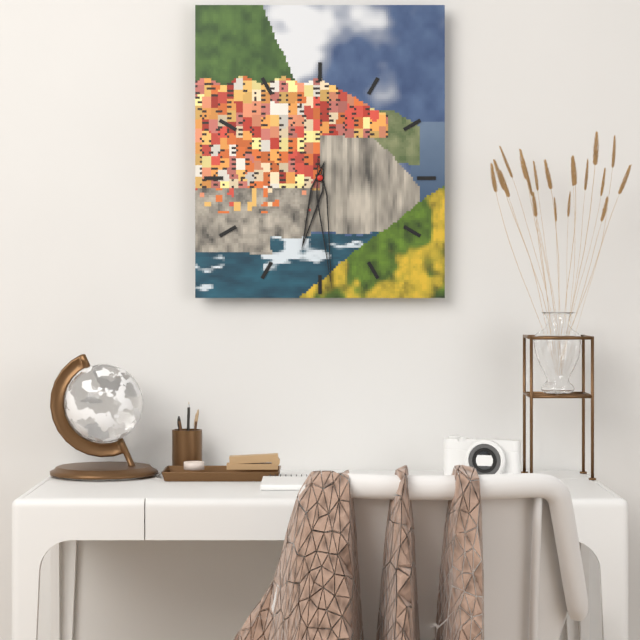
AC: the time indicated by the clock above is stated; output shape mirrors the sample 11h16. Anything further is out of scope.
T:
6h29
